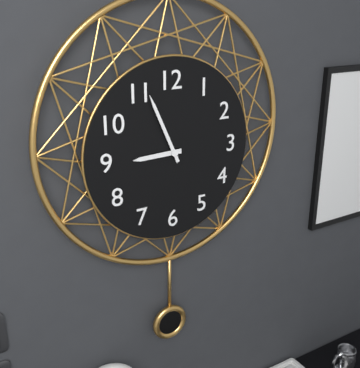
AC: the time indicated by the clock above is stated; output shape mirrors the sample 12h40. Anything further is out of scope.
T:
8h56
